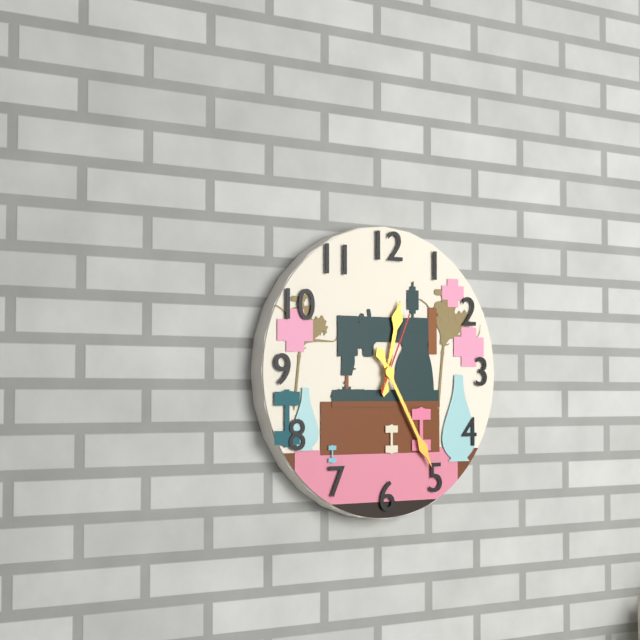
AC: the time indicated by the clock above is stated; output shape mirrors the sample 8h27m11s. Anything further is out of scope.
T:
12h25m04s
